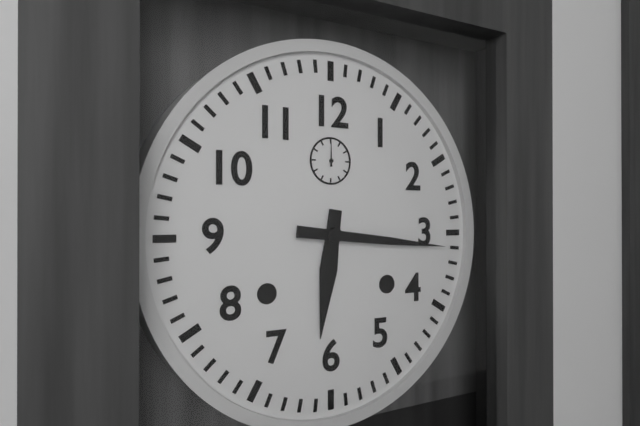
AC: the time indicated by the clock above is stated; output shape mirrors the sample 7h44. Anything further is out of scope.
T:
6h16
